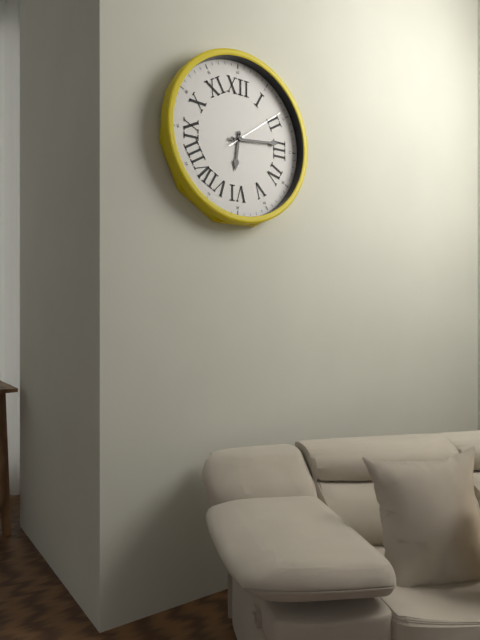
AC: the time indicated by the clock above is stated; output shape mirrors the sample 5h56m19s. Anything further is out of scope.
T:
6h14m09s
